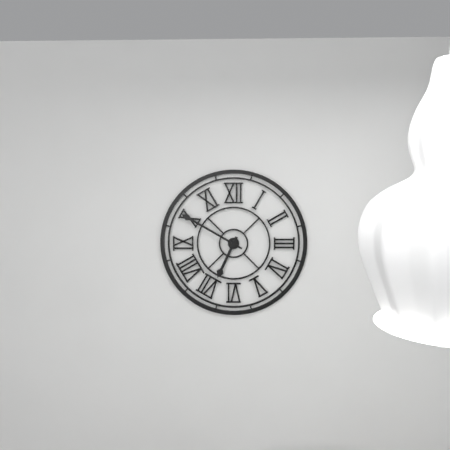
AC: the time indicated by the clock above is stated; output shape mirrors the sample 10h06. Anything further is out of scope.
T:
6h50
